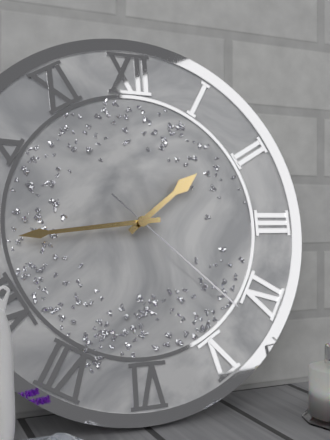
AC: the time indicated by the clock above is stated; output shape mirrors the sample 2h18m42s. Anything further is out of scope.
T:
1h44m22s
